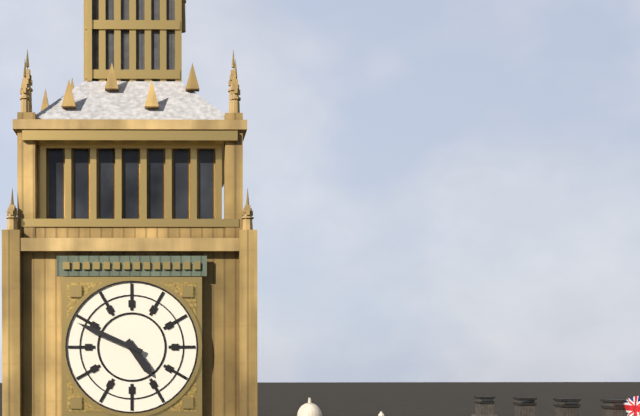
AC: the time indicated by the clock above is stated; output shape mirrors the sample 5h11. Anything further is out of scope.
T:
4h49
